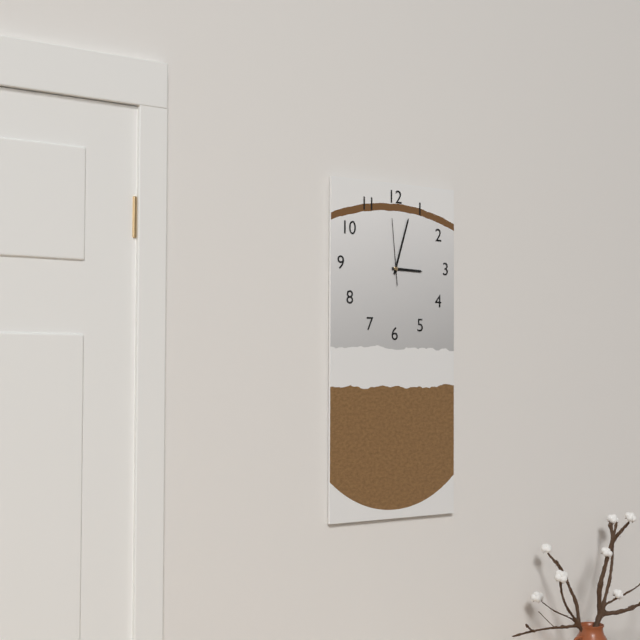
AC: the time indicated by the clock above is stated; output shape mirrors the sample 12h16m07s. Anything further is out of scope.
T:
3h03m59s
